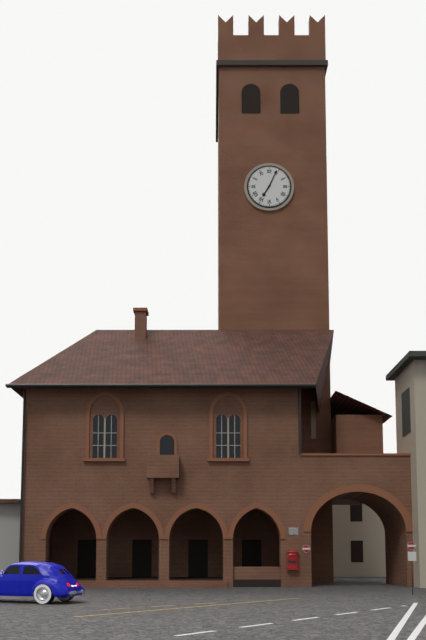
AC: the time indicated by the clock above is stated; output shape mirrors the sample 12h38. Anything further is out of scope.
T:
7h04
